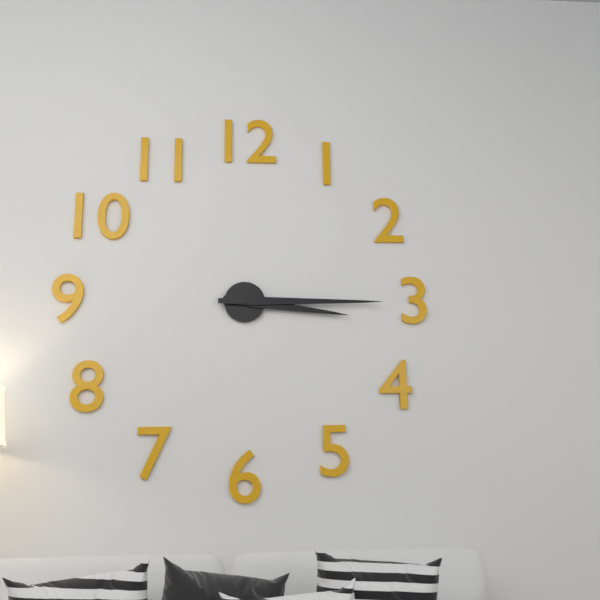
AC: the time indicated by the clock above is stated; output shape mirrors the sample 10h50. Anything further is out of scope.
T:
3h15
